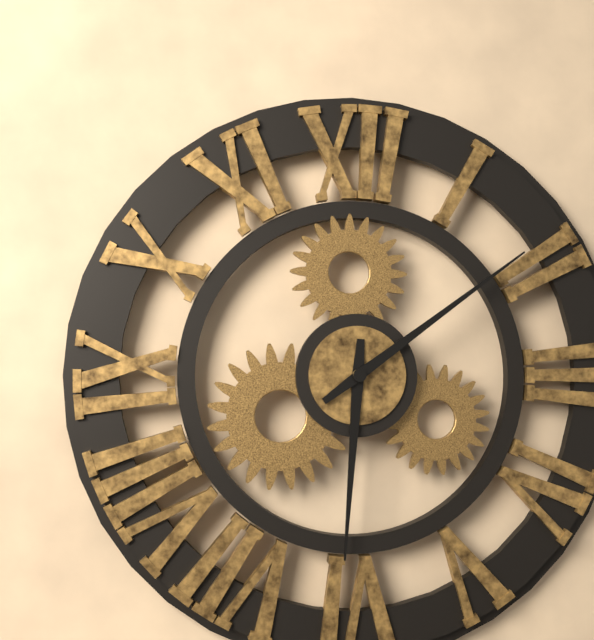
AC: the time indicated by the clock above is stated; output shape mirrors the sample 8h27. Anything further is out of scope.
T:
6h09
